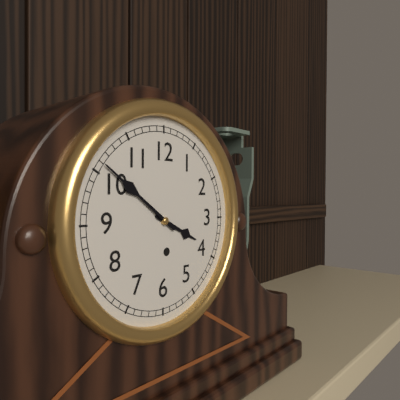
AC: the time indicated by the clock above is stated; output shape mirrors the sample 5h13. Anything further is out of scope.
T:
3h51
